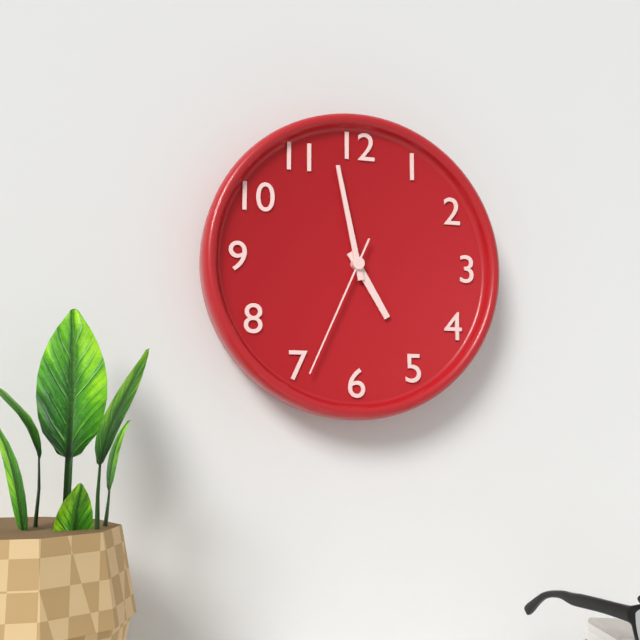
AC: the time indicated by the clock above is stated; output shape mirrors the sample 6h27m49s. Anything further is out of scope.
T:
4h58m34s
